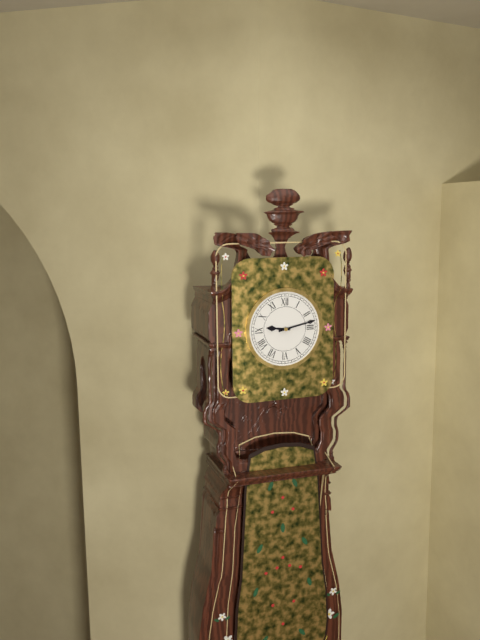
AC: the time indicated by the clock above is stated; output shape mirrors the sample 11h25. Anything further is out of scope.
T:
9h13
